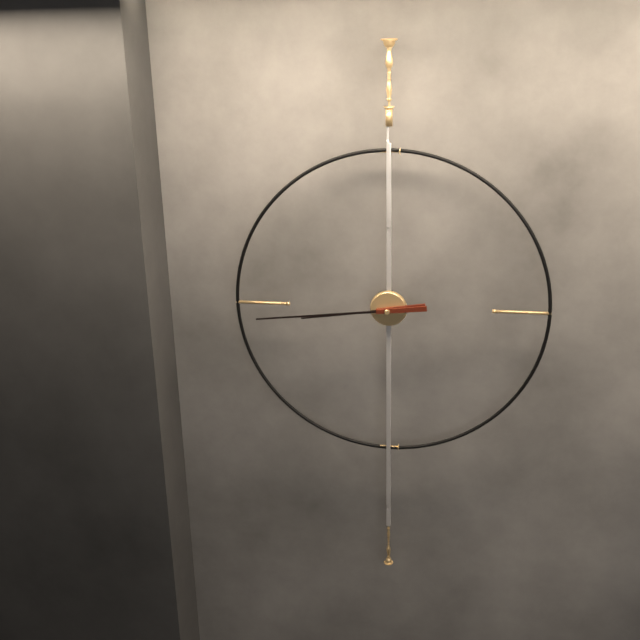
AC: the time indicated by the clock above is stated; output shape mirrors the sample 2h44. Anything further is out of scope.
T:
8h44
